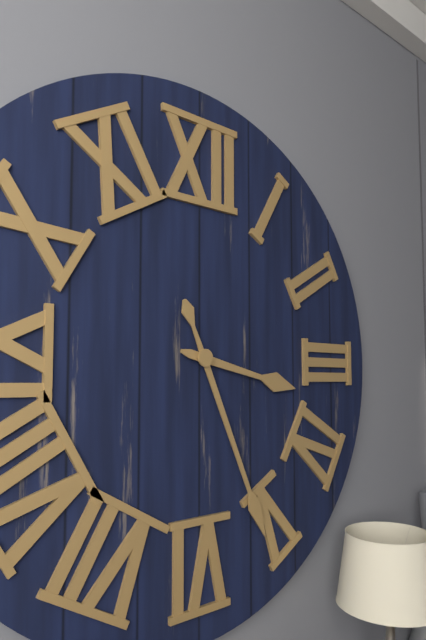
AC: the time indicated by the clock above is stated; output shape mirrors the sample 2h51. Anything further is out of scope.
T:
3h26
